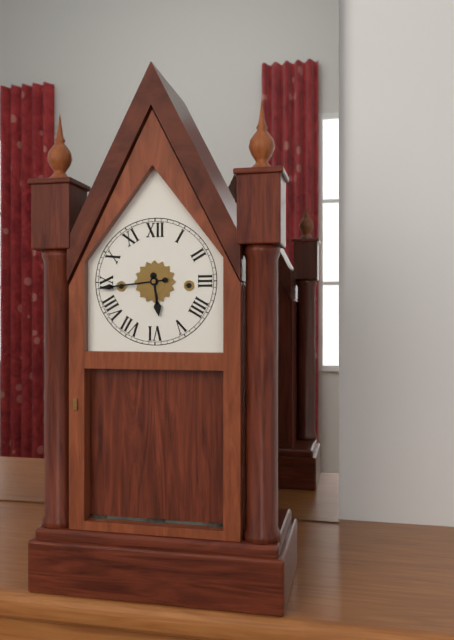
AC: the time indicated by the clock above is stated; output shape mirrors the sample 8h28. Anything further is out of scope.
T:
5h44
